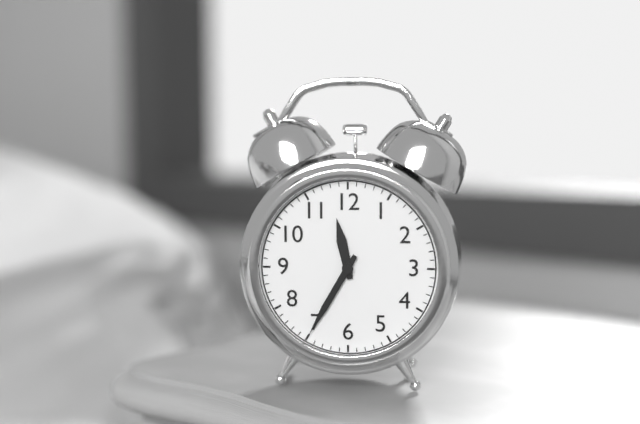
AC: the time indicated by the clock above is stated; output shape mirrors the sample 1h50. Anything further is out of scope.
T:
11h35
